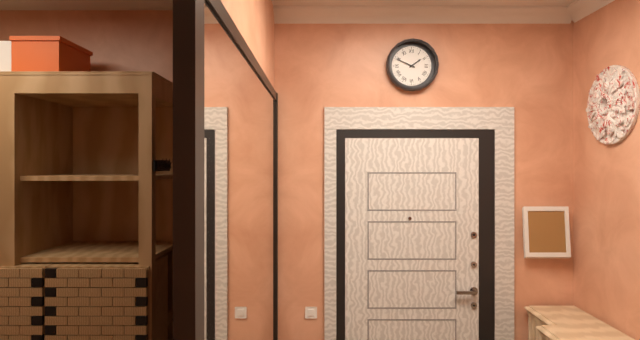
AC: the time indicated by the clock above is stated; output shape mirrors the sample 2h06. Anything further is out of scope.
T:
1h49
